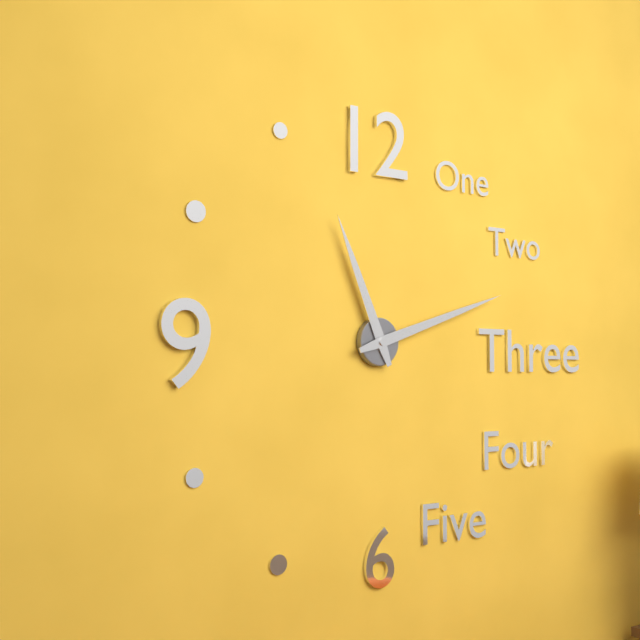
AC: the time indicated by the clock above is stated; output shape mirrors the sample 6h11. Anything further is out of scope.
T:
11h12
